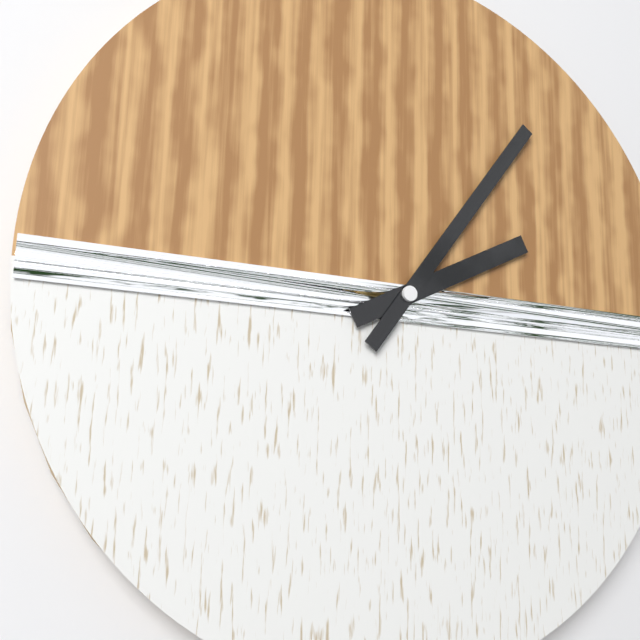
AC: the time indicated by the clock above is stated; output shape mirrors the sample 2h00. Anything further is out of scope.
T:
2h06
